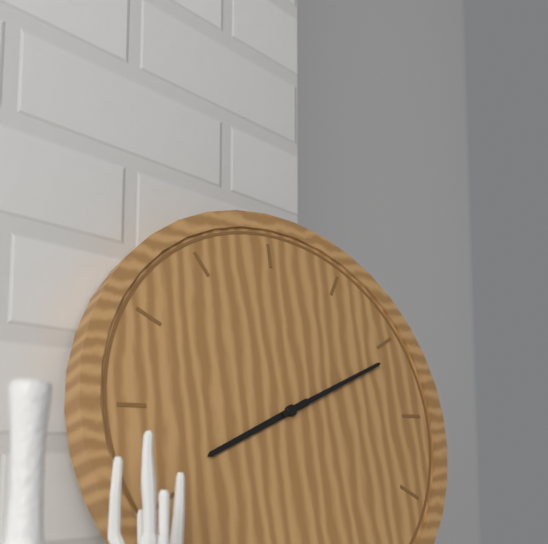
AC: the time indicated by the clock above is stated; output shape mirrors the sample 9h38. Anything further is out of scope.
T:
8h11
